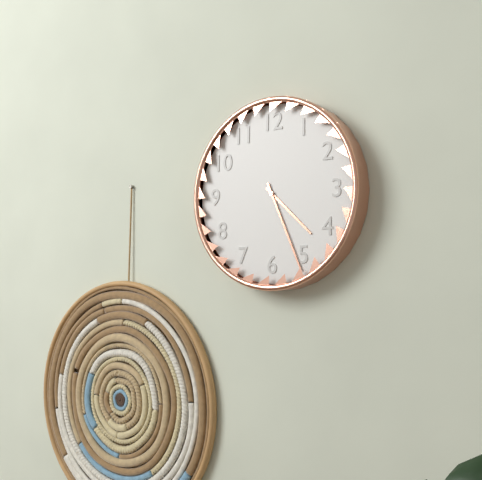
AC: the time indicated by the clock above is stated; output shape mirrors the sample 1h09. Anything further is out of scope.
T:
4h26
